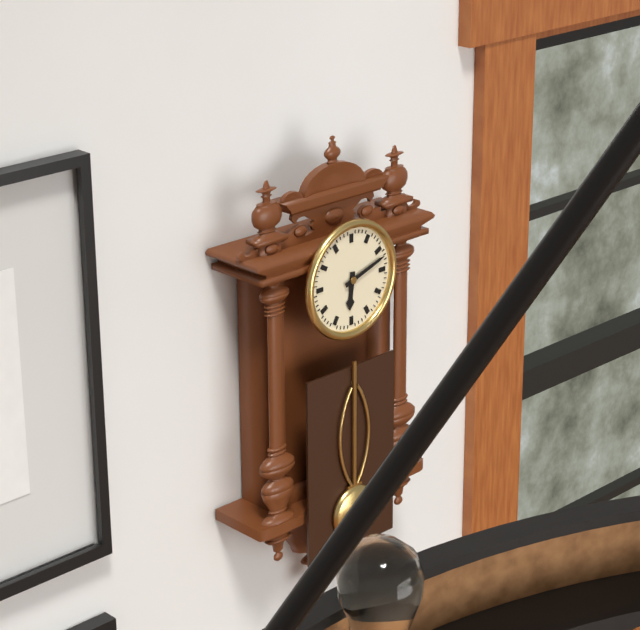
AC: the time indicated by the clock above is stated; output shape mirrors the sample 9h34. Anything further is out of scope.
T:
6h12
